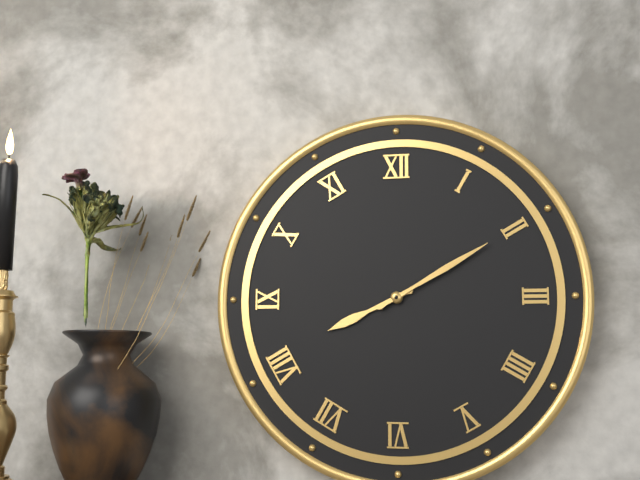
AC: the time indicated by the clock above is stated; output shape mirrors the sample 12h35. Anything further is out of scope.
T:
8h10
